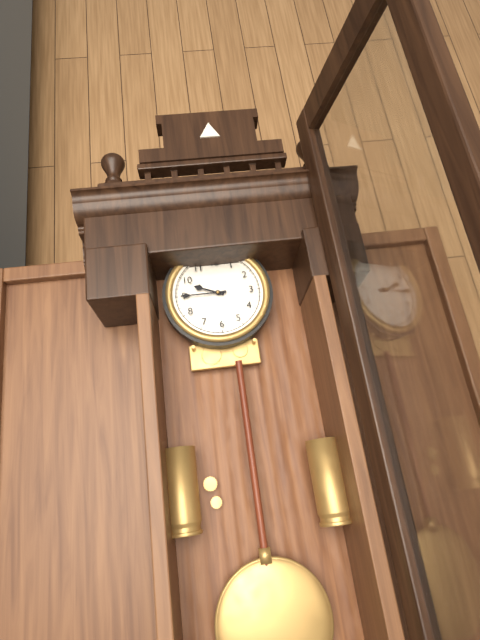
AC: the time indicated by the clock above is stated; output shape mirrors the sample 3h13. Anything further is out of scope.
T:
9h45
